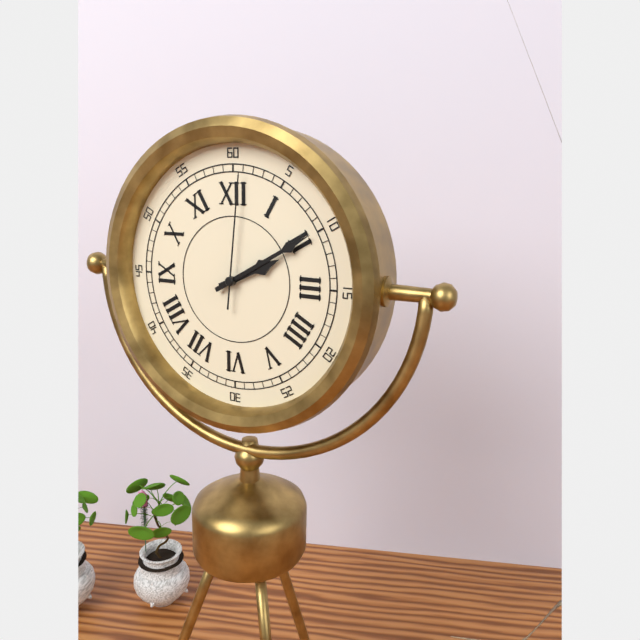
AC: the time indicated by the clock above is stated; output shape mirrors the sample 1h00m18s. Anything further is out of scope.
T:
2h10m01s
